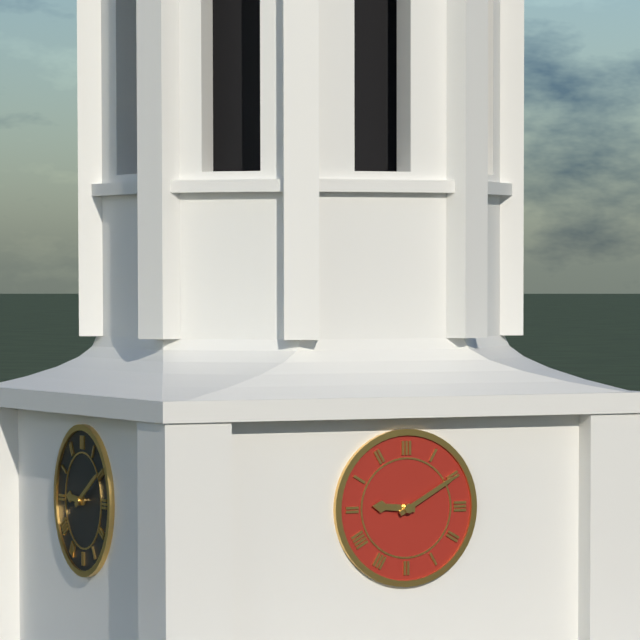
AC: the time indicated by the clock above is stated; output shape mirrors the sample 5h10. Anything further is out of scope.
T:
9h10
